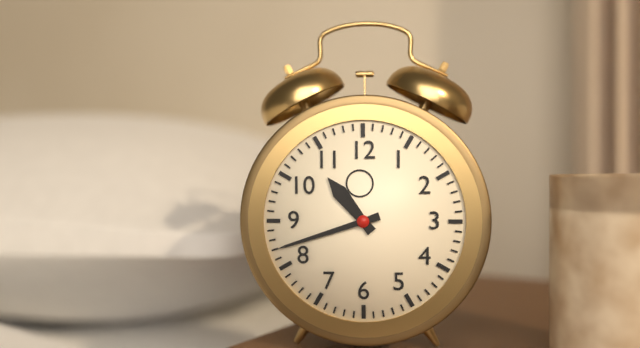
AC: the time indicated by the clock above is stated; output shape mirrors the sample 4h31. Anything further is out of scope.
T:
10h42
